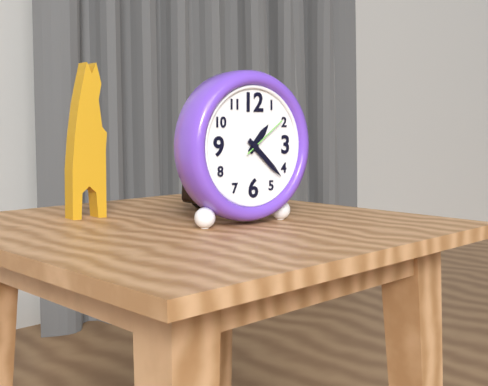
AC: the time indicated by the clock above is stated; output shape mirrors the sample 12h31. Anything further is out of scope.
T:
1h22
